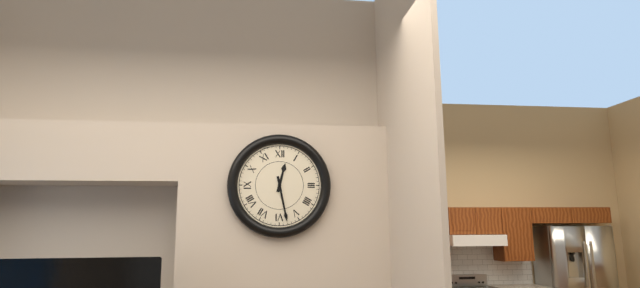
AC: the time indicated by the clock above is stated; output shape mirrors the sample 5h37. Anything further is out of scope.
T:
12h28
